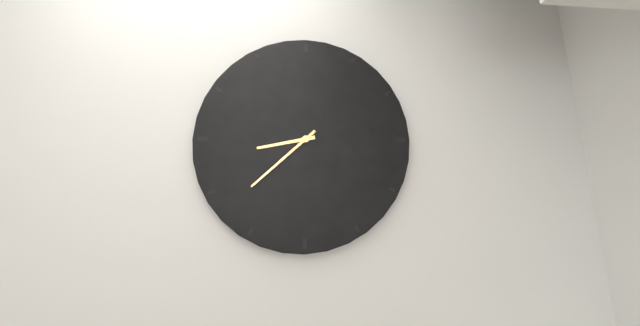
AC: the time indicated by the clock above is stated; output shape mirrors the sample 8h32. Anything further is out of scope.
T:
8h38
